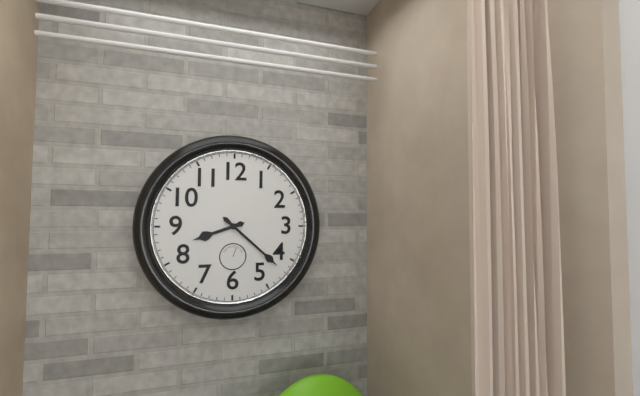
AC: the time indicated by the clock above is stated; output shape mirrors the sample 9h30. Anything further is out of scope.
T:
8h22
